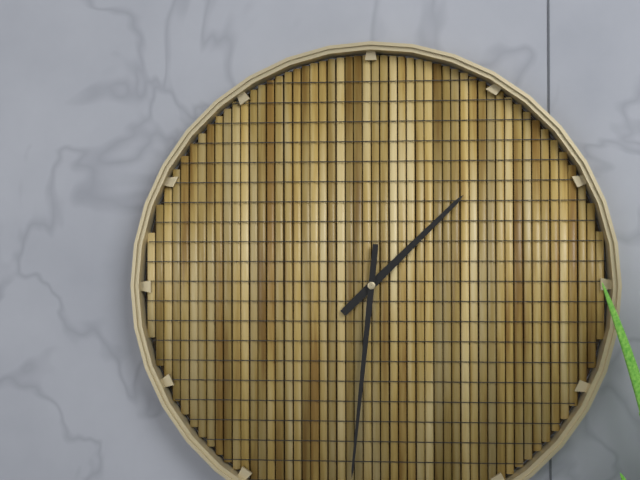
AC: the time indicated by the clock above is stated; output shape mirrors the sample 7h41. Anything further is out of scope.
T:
1h31
